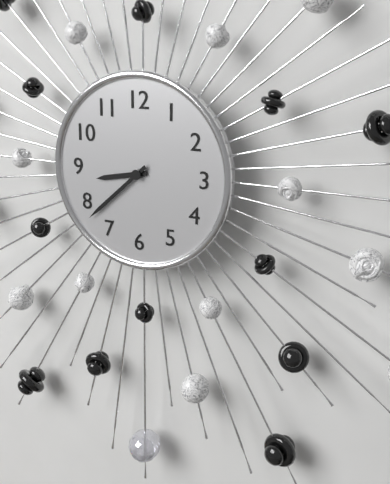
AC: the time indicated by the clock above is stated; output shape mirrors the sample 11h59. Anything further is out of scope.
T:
8h38
